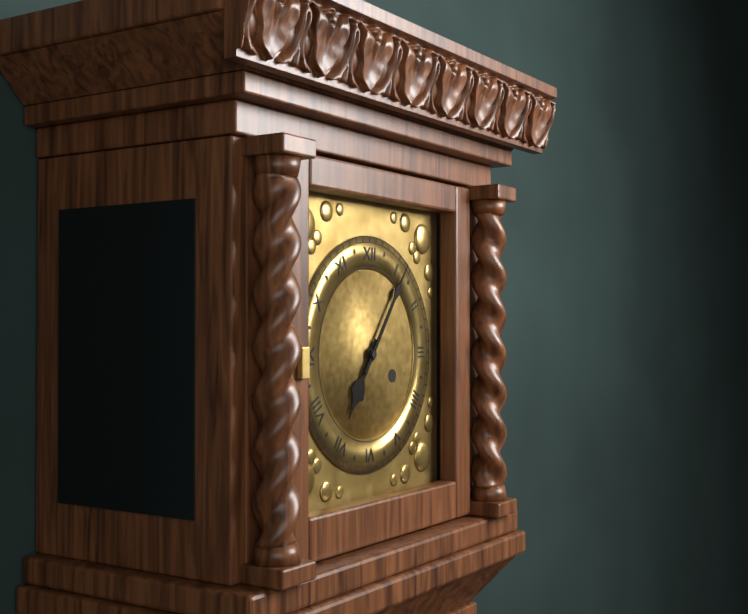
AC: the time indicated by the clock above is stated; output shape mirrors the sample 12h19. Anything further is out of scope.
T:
7h06
